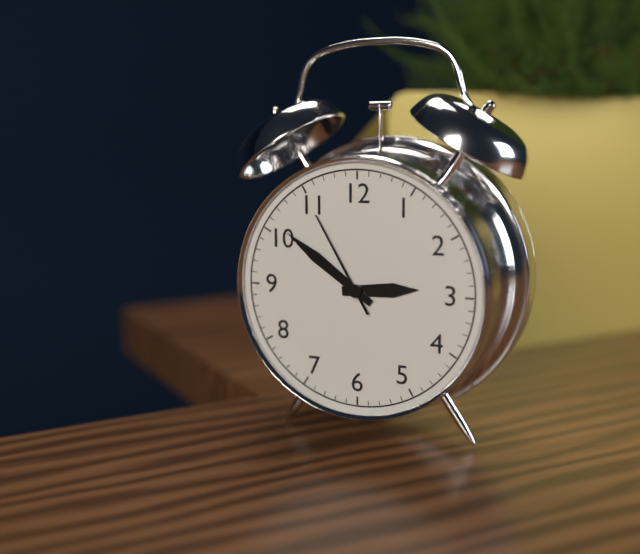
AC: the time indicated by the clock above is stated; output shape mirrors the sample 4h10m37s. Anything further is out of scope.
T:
2h51m55s
